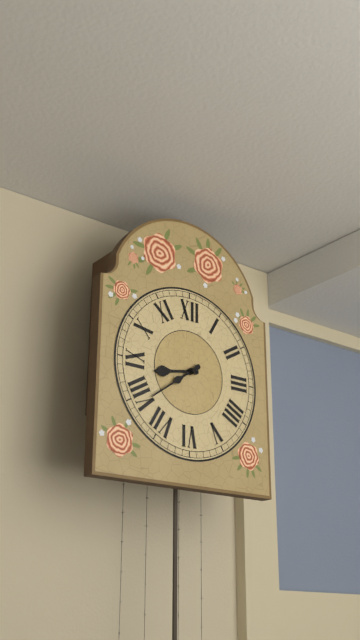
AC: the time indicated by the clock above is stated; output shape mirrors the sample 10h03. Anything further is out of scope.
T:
8h39
